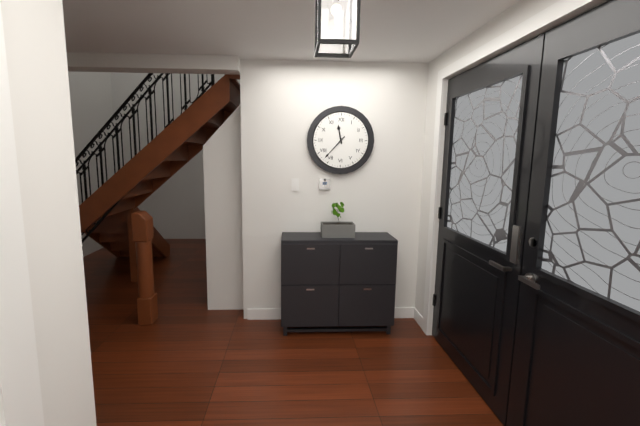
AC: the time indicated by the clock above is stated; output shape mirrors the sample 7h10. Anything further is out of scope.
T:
11h37
